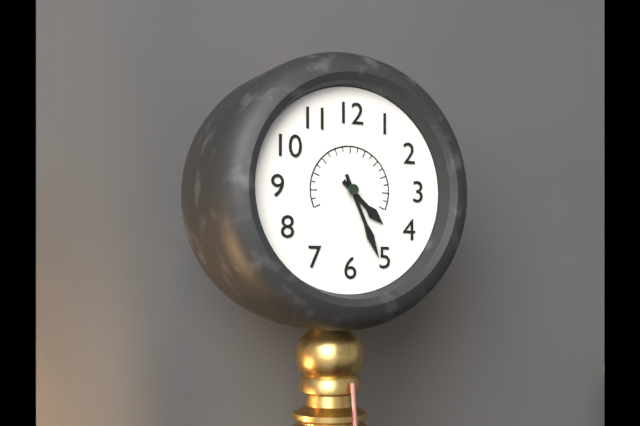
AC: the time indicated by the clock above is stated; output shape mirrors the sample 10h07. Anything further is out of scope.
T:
4h26
